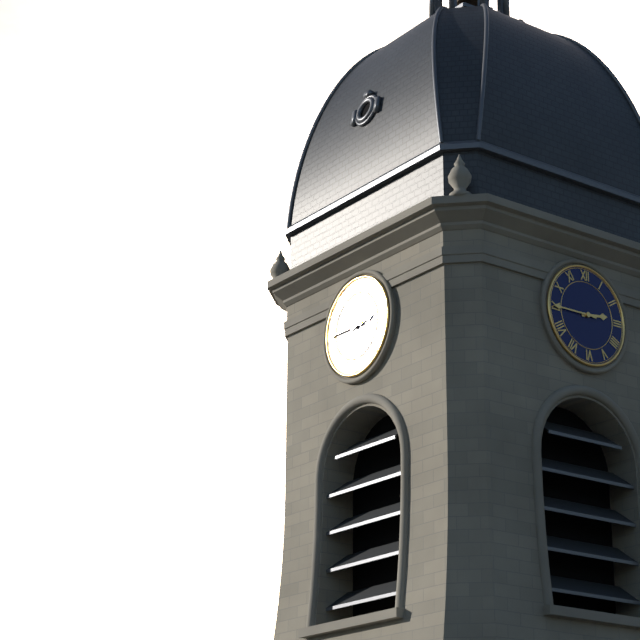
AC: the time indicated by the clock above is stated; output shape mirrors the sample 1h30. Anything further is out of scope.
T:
2h45
